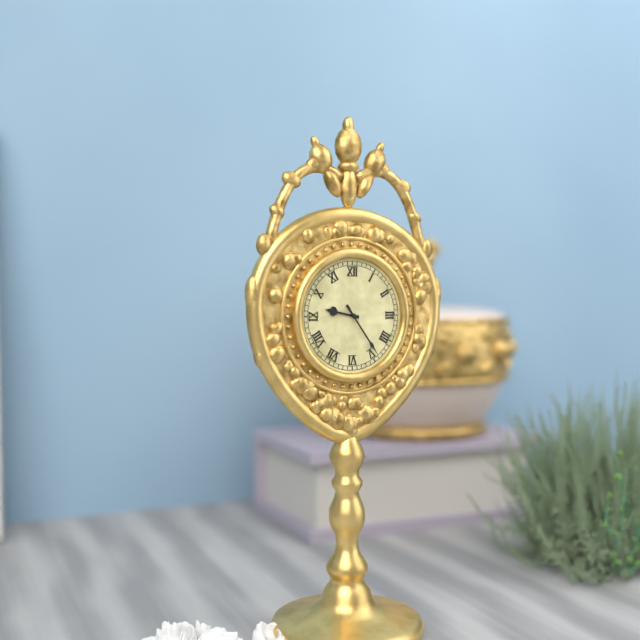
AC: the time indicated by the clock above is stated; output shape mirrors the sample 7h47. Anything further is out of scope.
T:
9h24
